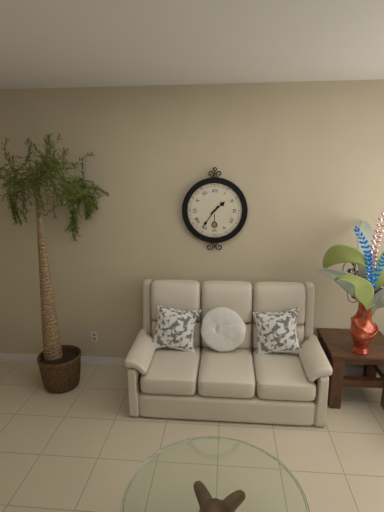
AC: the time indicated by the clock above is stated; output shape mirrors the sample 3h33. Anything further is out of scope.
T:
1h36
